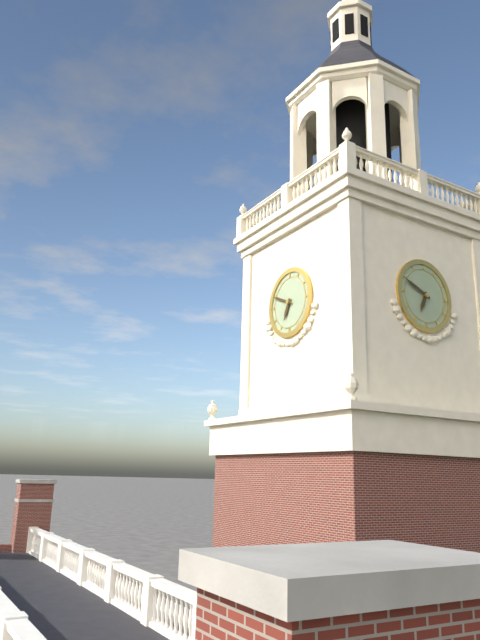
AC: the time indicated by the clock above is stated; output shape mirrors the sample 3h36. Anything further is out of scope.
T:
6h49
